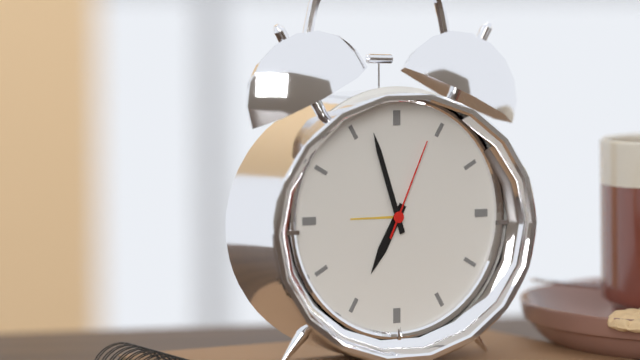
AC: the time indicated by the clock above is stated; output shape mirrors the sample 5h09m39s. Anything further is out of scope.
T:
6h57m04s
